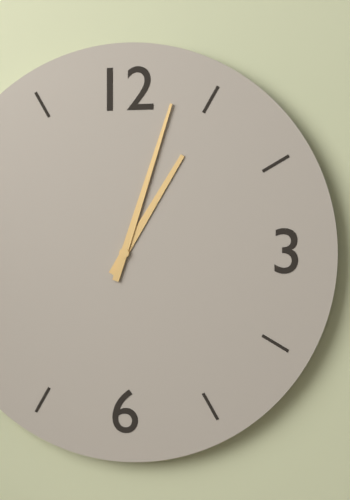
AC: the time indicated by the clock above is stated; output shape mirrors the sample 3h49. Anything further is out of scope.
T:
1h03
